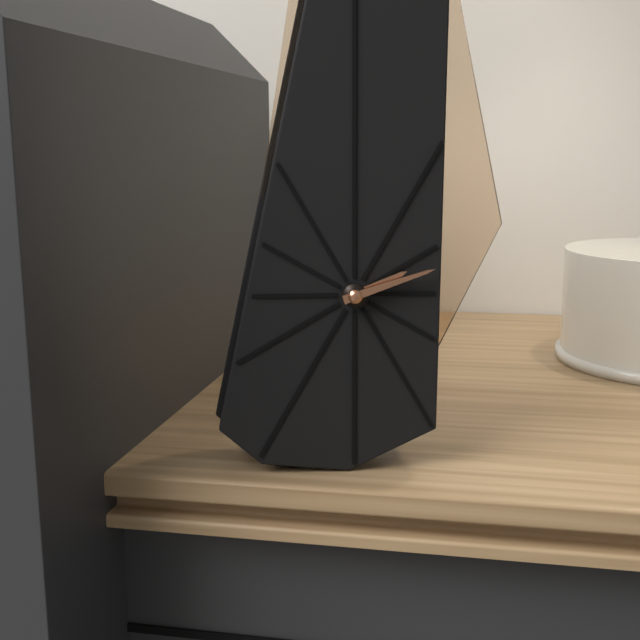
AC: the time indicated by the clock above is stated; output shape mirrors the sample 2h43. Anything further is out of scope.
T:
2h12
